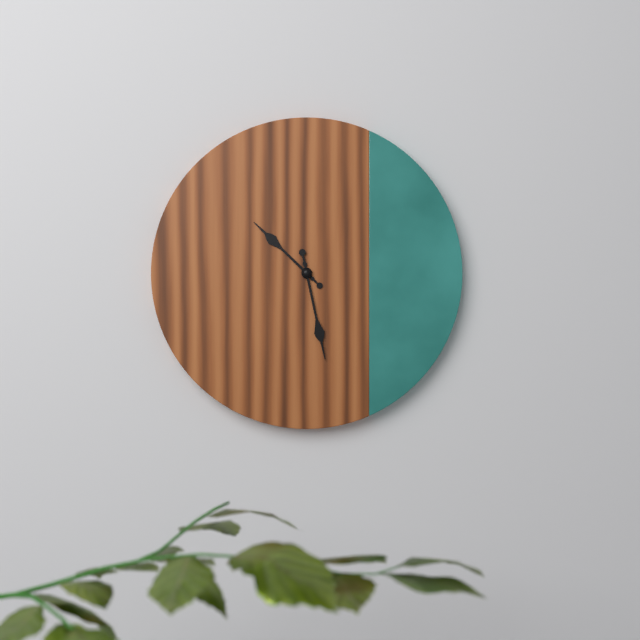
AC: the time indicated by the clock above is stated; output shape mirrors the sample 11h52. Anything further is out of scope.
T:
10h28
